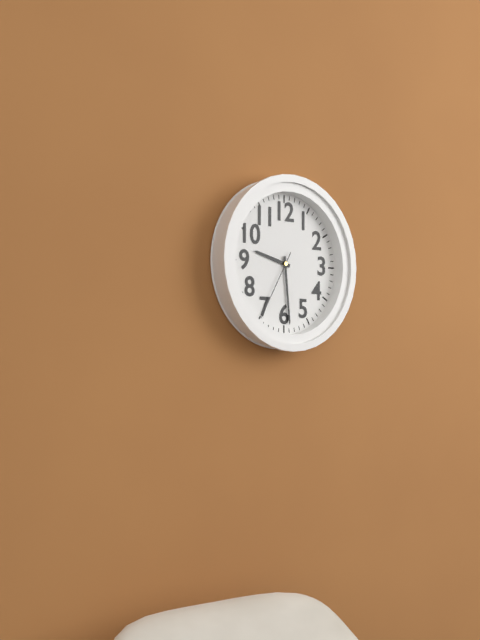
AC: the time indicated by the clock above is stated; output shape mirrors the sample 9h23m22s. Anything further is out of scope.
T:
9h29m35s
